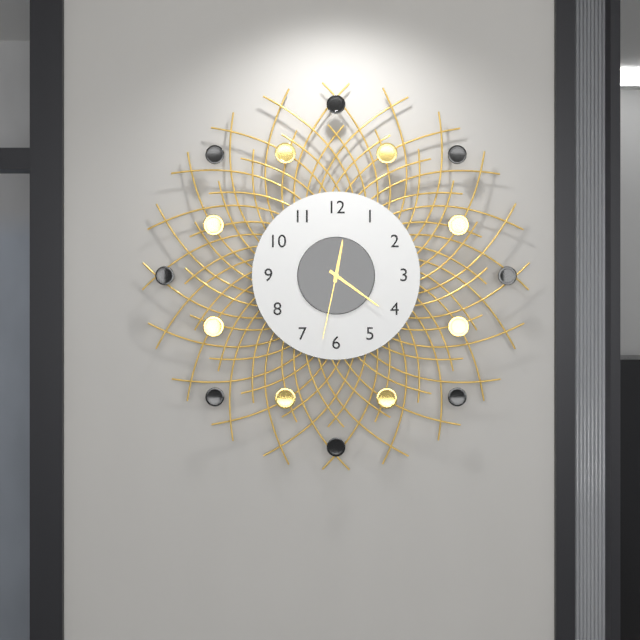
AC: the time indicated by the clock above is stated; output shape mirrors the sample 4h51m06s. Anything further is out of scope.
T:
12h21m32s
